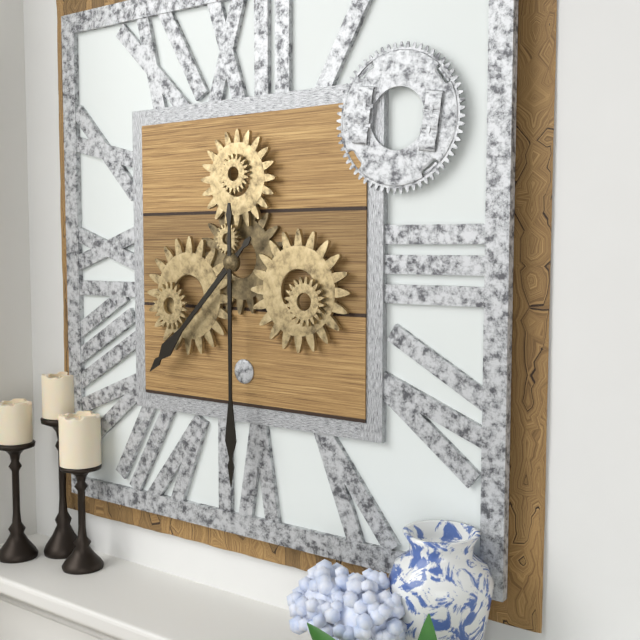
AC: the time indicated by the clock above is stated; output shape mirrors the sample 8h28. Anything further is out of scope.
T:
7h30
